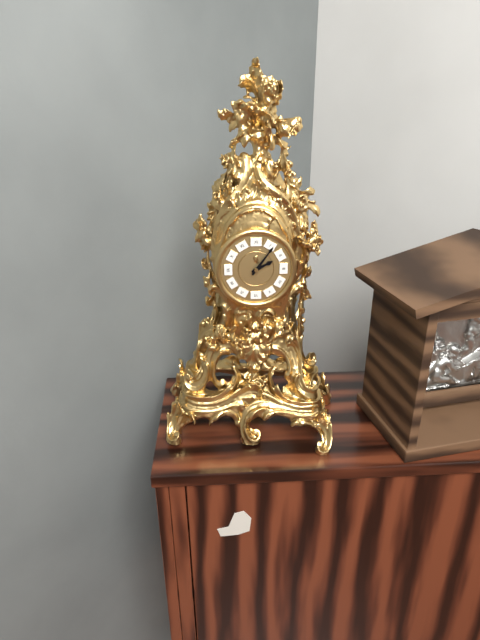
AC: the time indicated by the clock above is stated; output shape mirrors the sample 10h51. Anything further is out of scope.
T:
2h06
